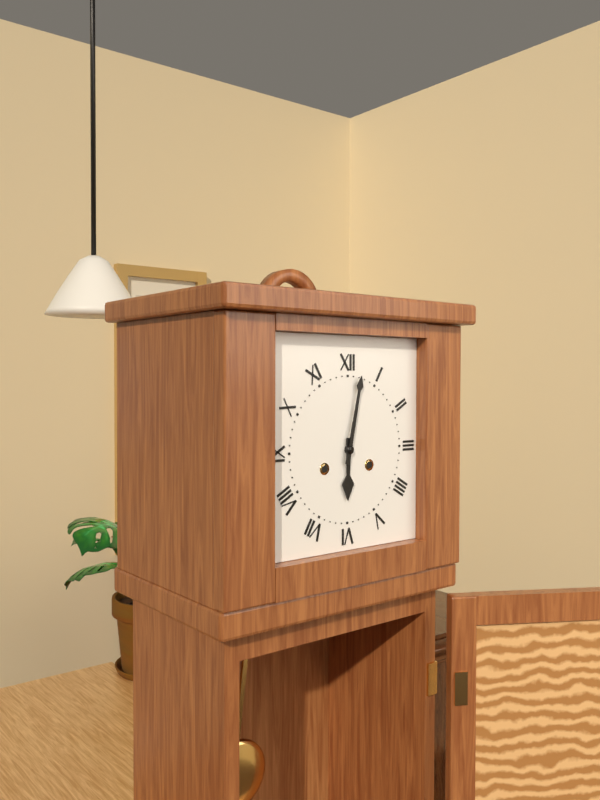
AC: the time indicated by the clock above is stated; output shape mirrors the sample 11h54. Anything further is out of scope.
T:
6h02
